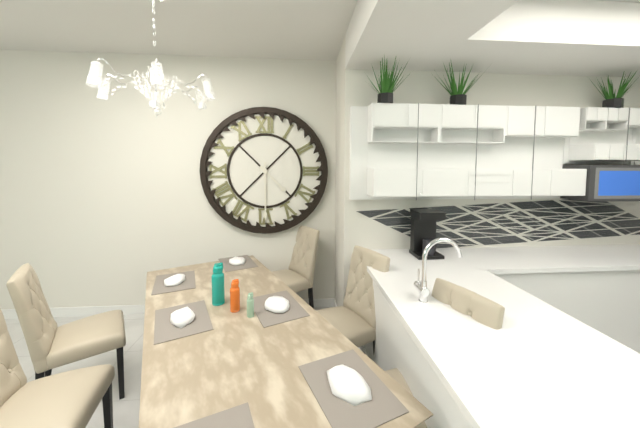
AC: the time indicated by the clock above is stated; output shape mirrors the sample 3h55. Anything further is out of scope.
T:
4h30
